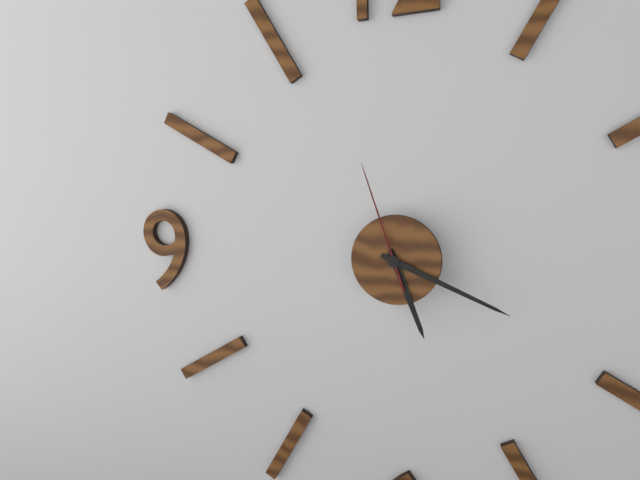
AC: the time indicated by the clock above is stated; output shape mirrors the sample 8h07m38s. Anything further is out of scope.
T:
5h19m57s
